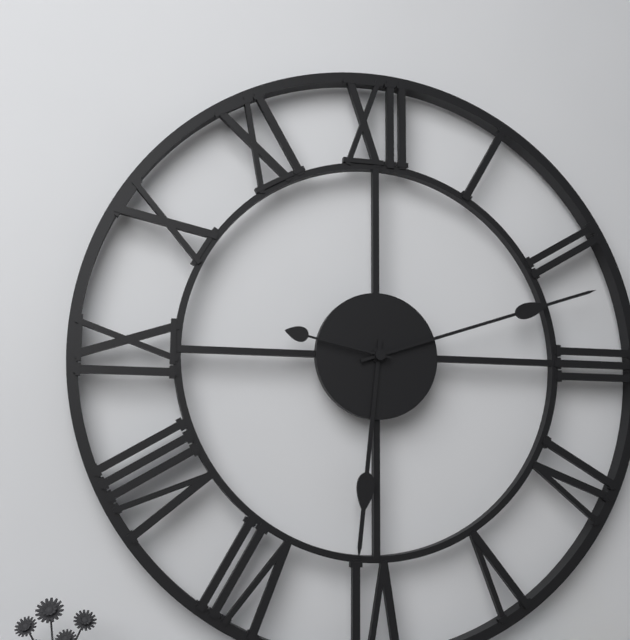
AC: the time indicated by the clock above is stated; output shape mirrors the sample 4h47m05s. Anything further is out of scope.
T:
6h12m47s
